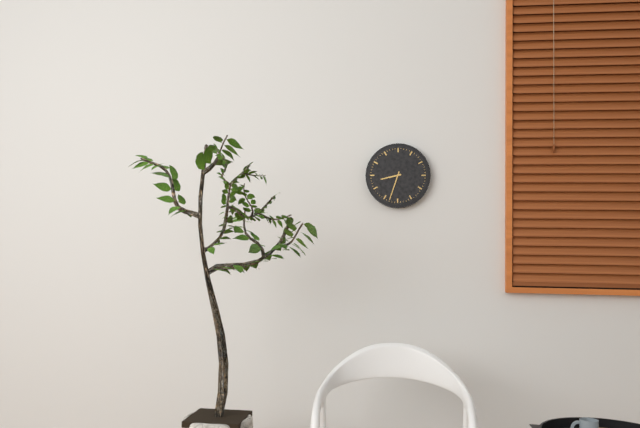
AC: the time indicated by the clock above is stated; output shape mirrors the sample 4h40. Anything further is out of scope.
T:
8h33
